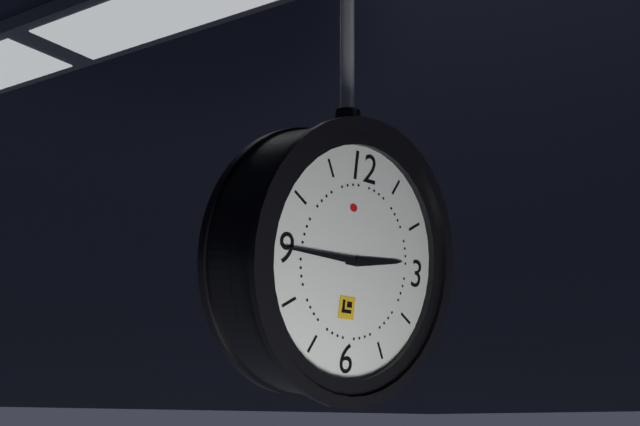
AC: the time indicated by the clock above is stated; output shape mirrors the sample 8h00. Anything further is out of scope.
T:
2h45
